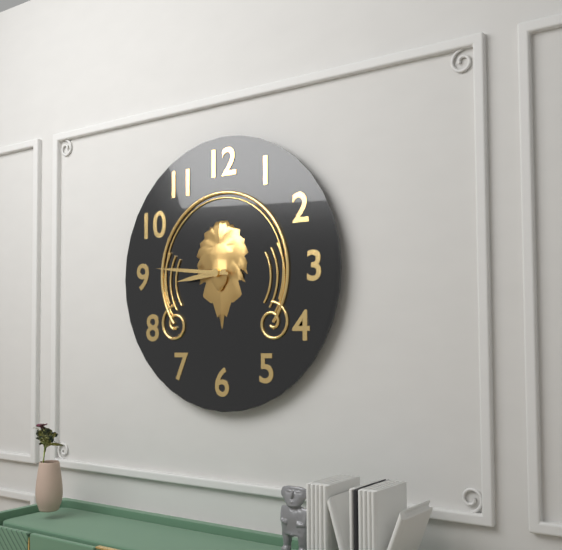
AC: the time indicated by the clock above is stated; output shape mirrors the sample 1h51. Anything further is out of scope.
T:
8h46
